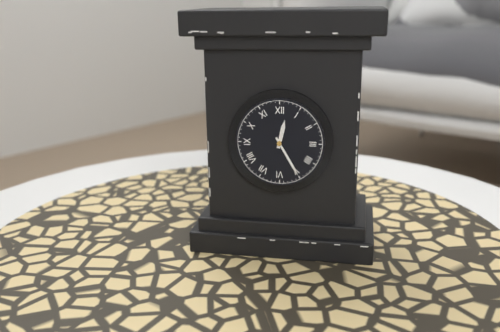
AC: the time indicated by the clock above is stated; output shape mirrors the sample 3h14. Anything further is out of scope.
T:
12h25
